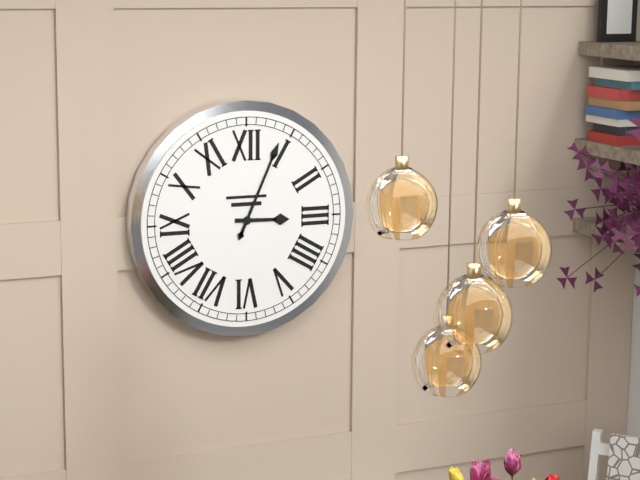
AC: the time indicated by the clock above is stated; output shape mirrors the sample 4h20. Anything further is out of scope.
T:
3h04
